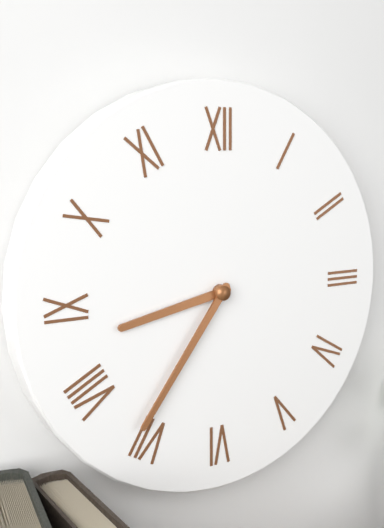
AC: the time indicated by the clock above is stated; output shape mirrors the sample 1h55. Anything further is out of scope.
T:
8h36
